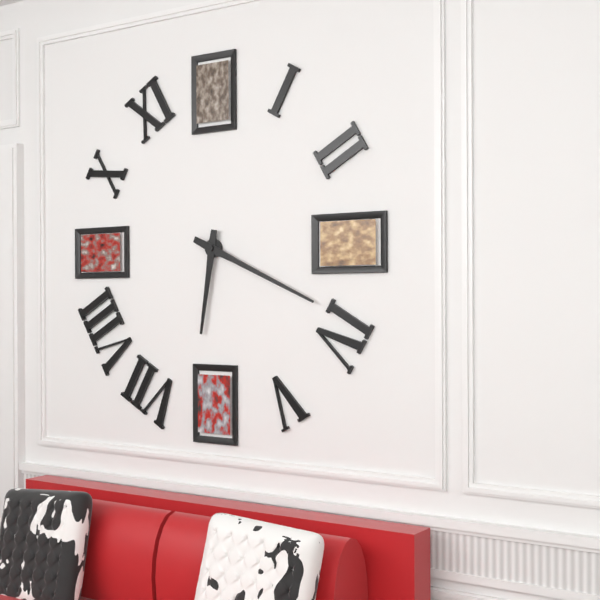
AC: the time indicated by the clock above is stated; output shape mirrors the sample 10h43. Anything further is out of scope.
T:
6h19
